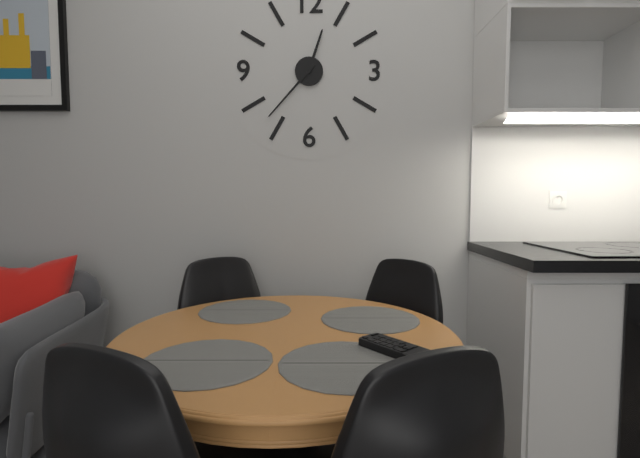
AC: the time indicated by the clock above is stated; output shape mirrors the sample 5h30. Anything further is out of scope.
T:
12h37
